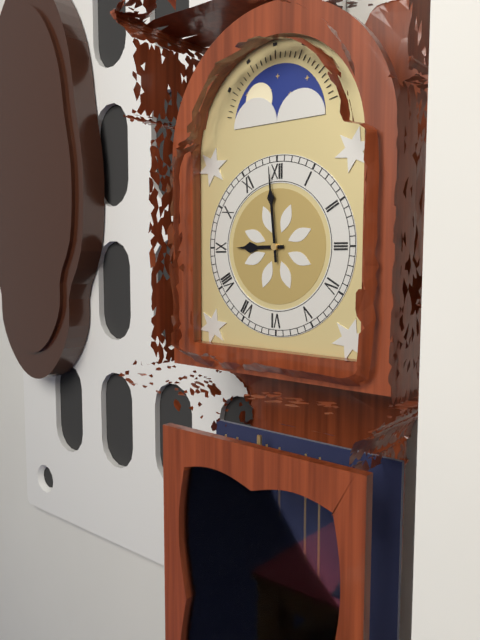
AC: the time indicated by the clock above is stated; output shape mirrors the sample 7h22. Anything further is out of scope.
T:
8h59
